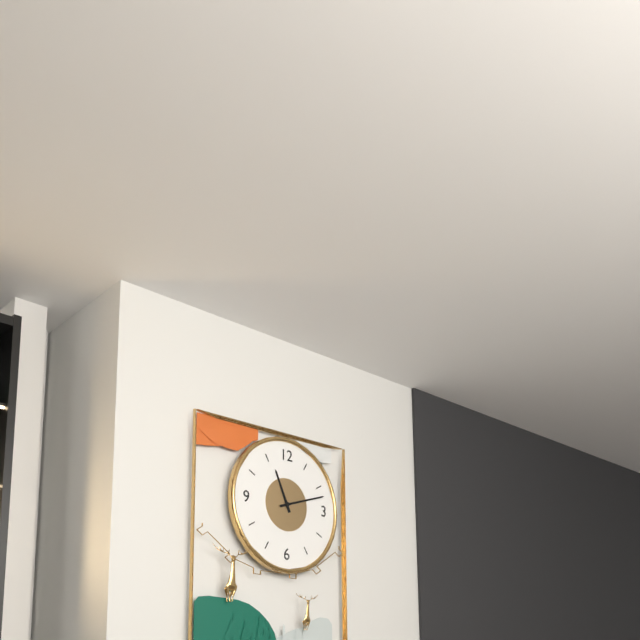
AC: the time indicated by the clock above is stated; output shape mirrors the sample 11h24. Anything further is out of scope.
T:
11h12
